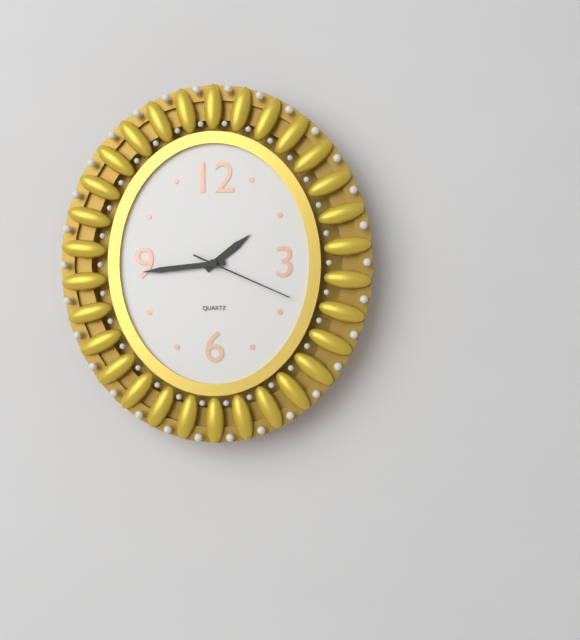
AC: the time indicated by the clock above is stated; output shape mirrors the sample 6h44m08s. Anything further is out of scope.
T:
1h44m19s
